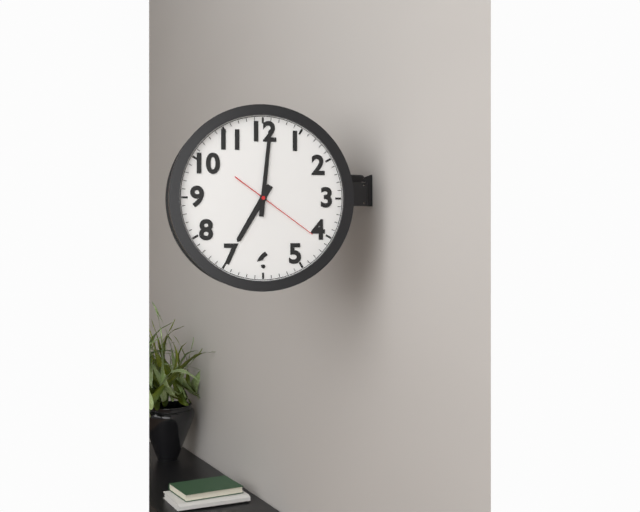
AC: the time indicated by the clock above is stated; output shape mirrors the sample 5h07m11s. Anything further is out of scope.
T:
7h01m21s
